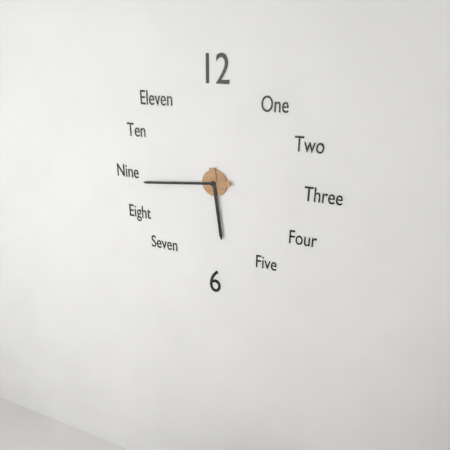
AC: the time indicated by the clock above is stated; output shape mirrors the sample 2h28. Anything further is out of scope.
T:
5h44
